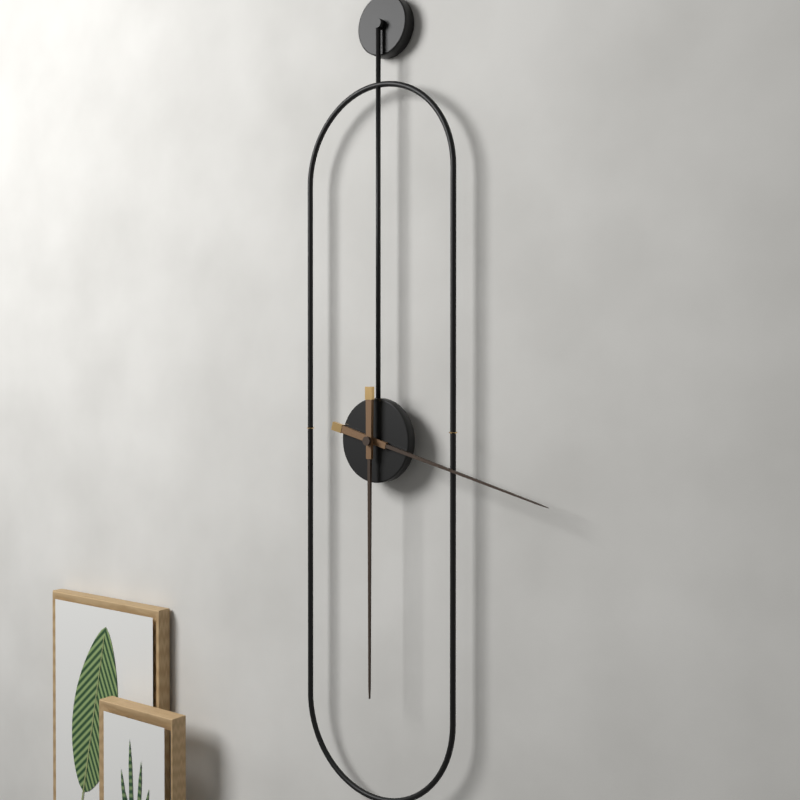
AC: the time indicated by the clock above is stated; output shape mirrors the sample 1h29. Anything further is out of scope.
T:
3h30
